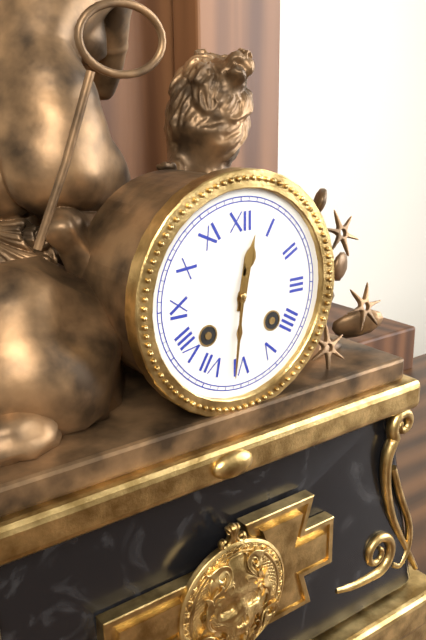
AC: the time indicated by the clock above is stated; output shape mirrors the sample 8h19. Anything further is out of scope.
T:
12h31
